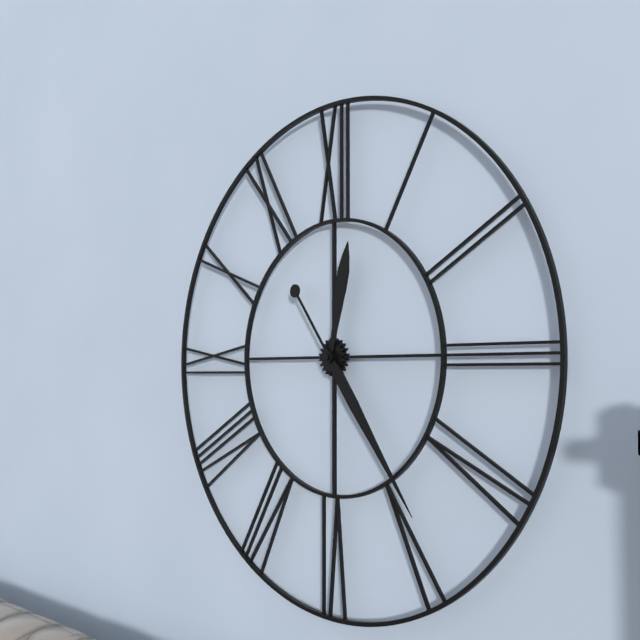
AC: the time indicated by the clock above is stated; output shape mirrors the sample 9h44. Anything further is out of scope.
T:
12h24
